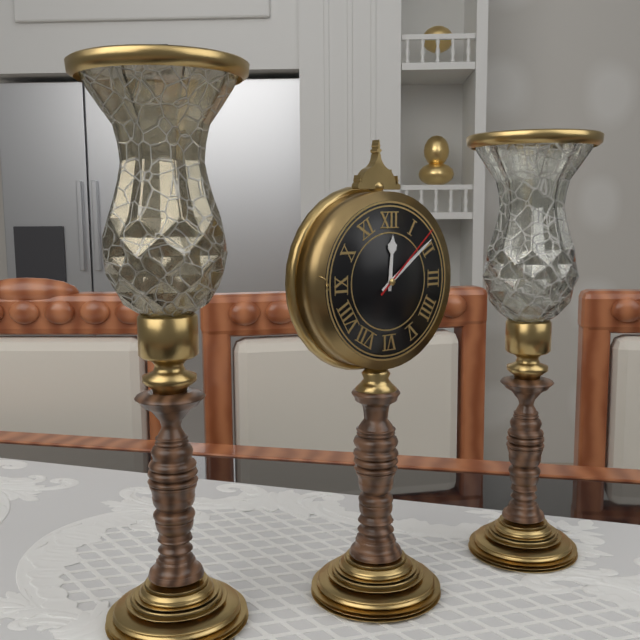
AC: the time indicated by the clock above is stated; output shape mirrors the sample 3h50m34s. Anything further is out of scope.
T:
12h09m08s
